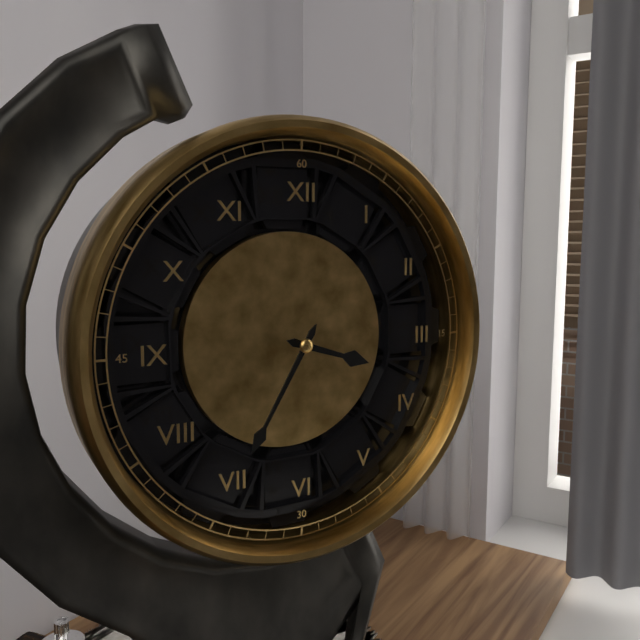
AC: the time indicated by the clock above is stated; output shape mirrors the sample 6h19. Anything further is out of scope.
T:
3h35
